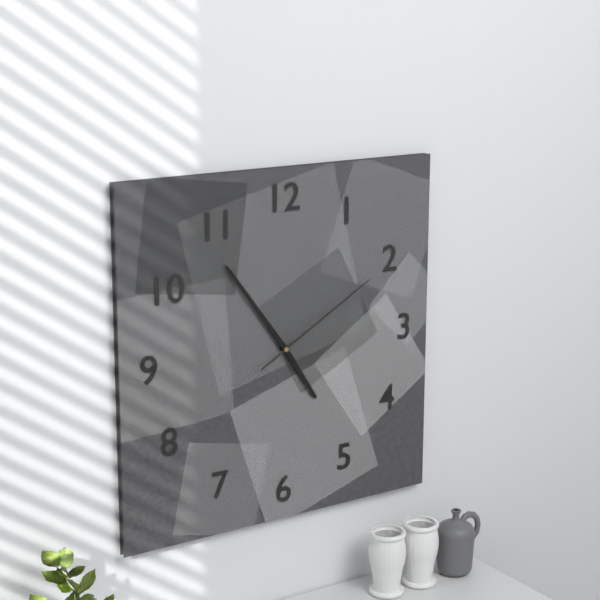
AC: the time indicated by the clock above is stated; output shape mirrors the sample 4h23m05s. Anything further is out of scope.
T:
4h54m10s
